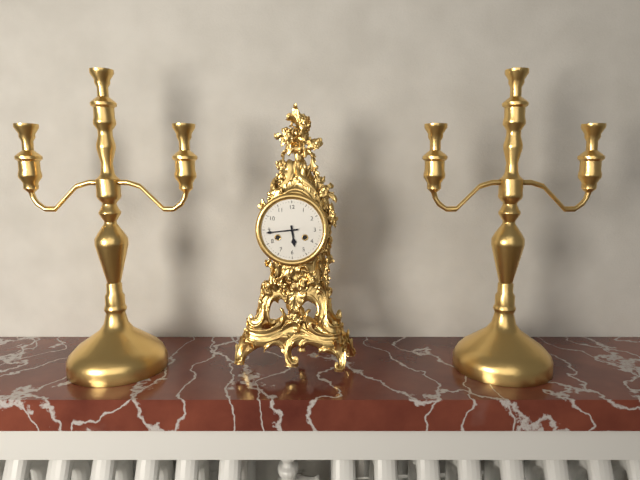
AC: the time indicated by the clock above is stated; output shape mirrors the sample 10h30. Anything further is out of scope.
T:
5h44
